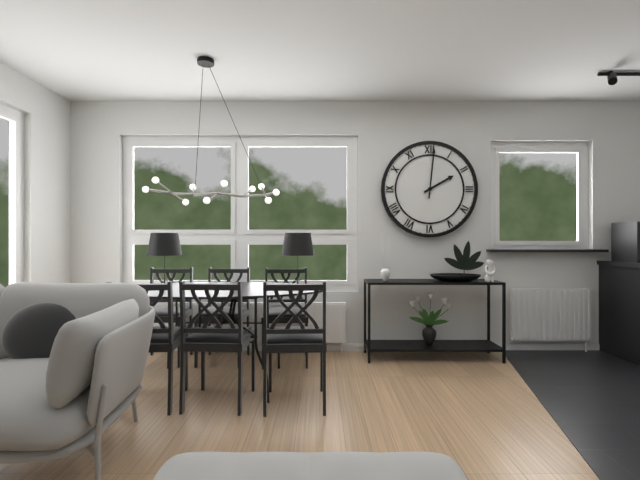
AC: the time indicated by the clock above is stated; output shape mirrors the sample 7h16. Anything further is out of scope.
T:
2h01
